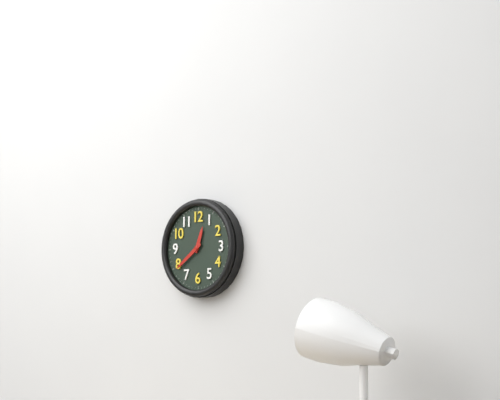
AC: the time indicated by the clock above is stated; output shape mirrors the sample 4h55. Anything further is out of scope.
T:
12h39
